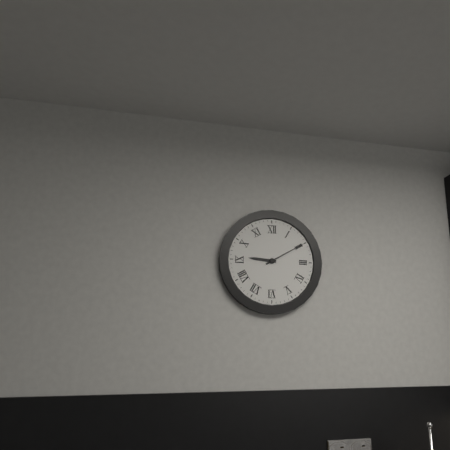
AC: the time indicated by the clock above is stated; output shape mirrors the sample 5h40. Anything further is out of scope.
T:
9h10
